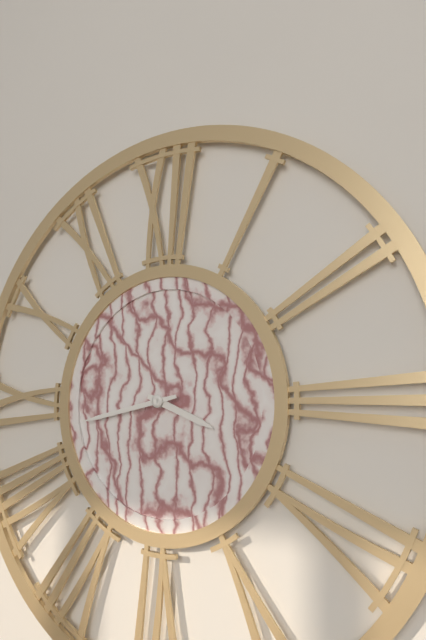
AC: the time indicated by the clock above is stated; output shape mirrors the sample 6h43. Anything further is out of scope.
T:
3h43
